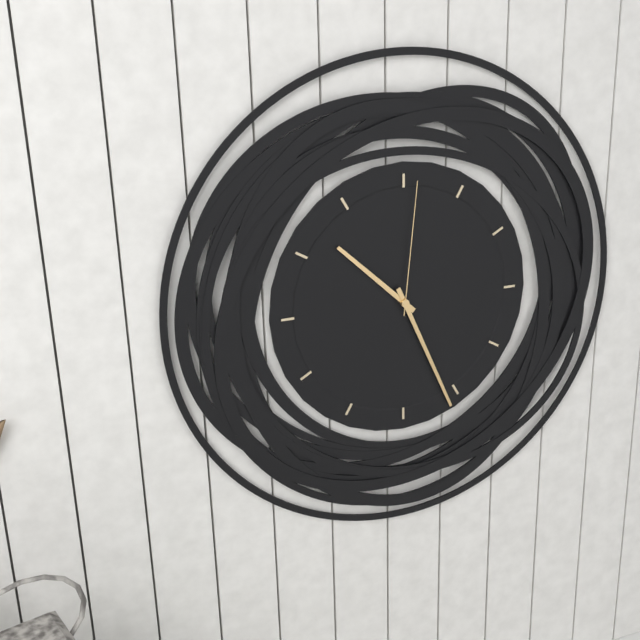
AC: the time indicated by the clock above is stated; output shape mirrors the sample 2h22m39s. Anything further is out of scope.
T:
10h26m01s
